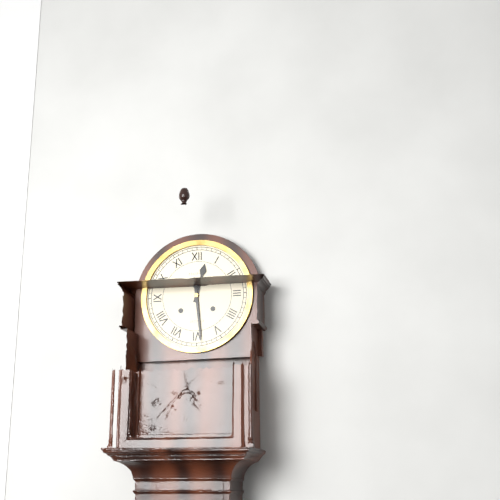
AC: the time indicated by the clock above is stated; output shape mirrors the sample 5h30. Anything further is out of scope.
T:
12h29
